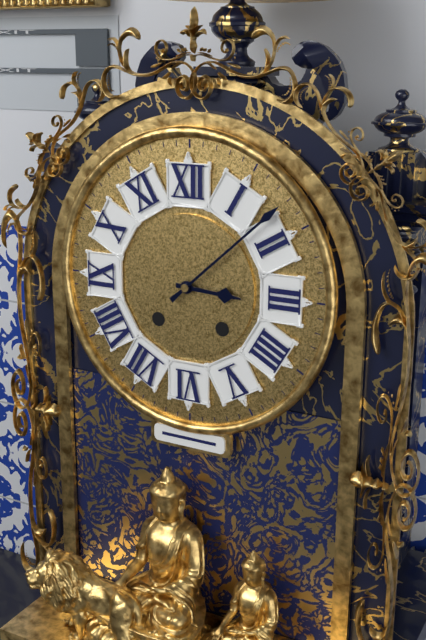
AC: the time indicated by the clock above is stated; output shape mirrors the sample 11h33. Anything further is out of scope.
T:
3h08
